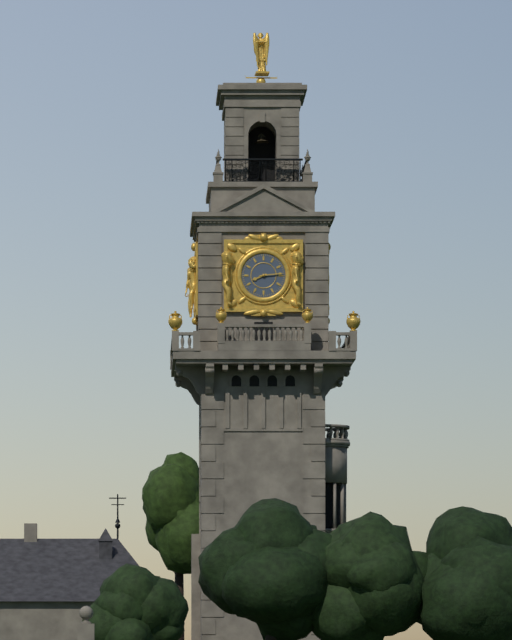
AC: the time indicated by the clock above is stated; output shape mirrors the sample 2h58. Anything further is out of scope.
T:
8h14
